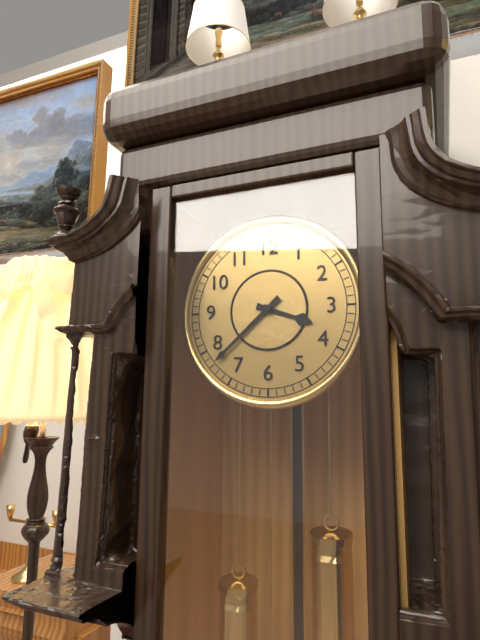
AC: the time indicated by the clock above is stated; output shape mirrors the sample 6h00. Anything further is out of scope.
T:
3h38
